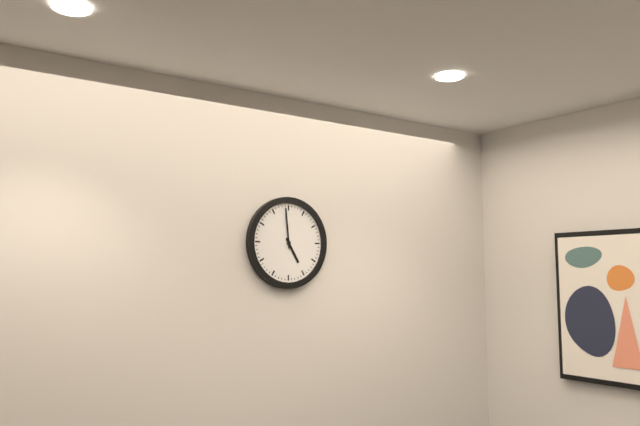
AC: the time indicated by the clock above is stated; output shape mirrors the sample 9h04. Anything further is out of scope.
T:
4h59
